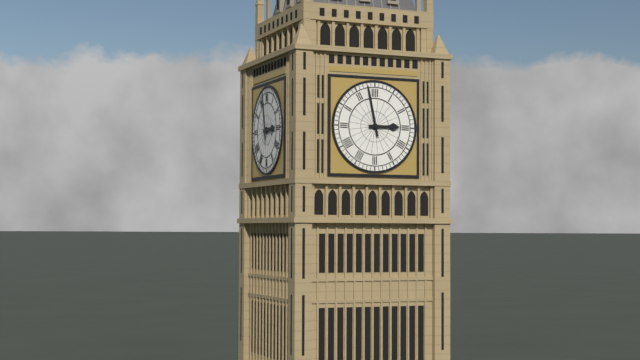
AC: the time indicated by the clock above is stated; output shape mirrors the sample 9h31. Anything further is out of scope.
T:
2h58
